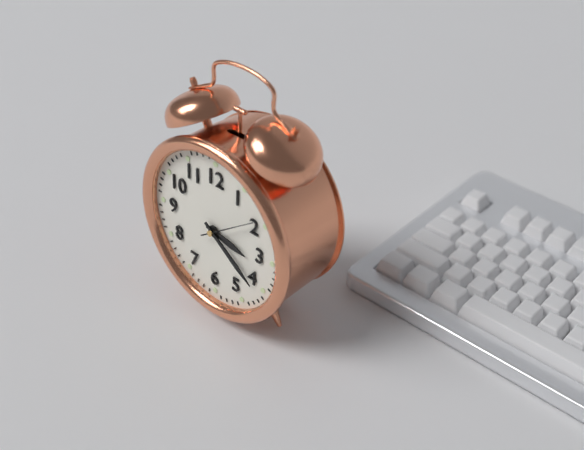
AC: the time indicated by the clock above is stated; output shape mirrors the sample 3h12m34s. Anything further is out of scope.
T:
3h21m09s
